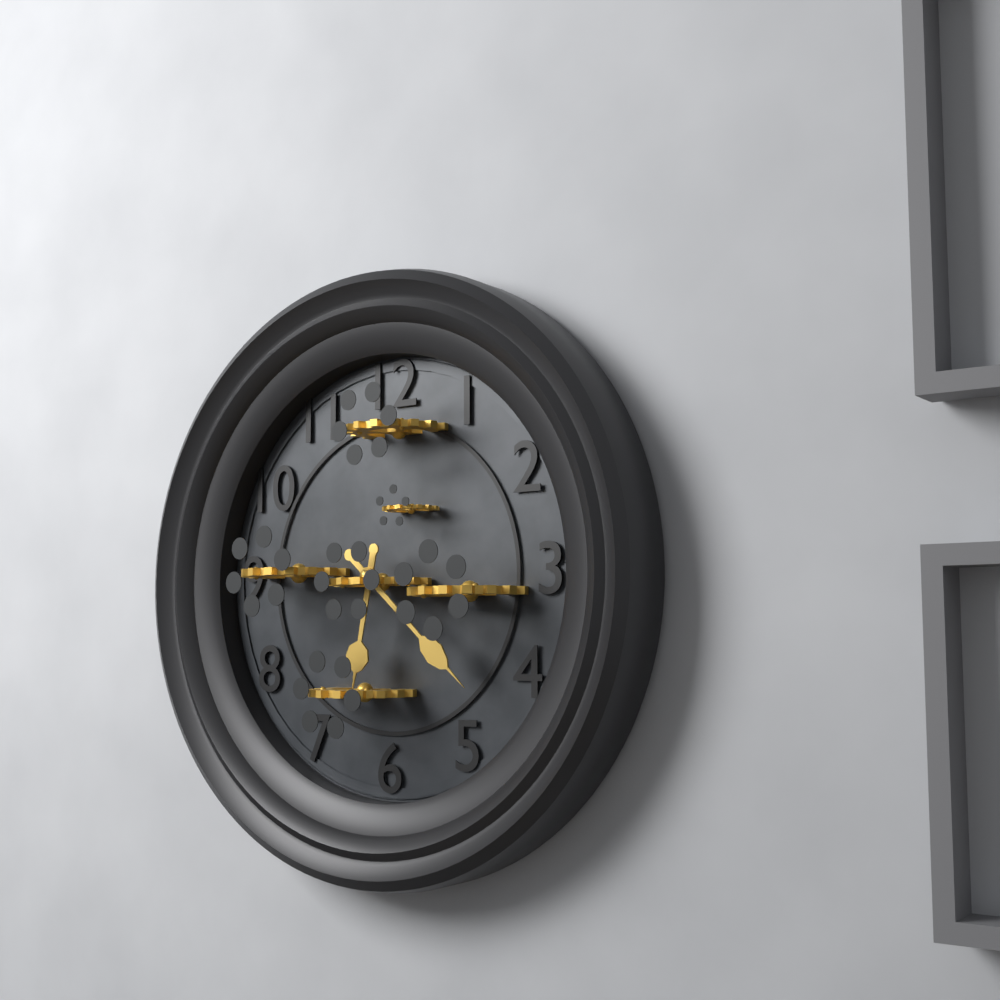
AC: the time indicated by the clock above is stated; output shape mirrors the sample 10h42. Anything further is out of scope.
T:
6h22
